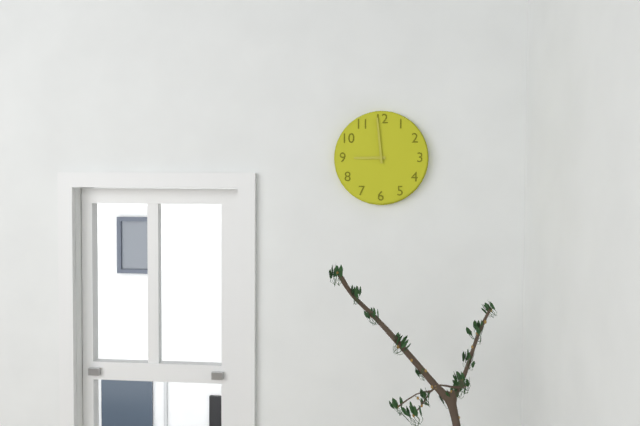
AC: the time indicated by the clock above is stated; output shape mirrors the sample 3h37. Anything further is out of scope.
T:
8h59
